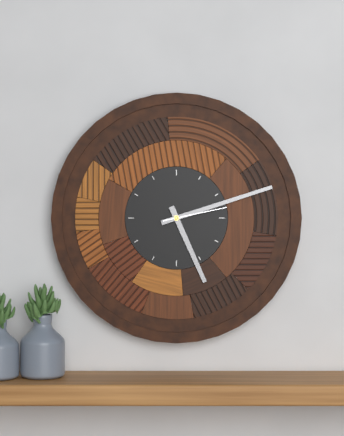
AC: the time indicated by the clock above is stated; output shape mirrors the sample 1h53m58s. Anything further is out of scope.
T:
5h12m13s
